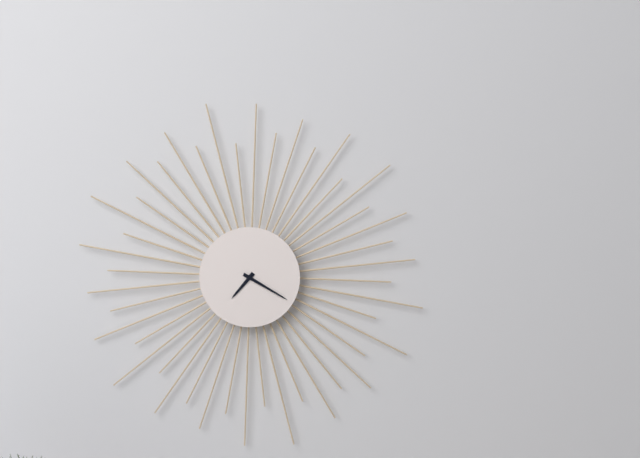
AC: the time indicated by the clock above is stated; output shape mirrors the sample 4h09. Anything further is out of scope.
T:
7h20
